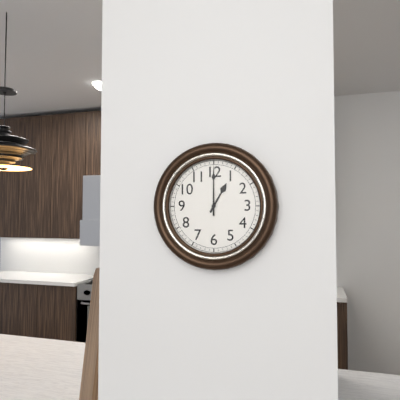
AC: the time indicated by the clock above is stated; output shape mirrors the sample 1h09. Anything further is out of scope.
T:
1h00
